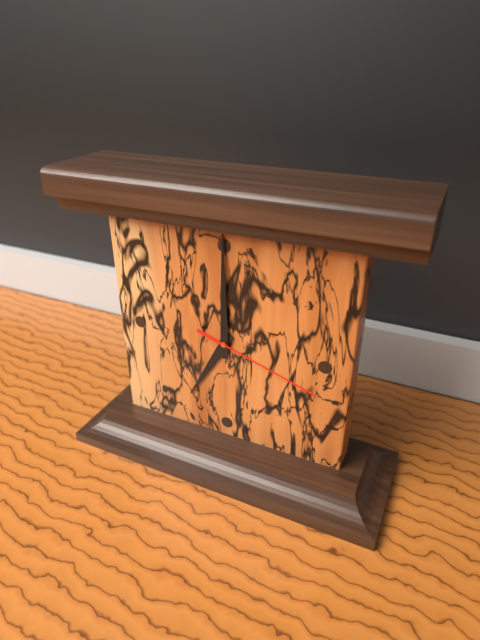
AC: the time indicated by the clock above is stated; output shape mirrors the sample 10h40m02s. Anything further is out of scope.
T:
7h00m18s
